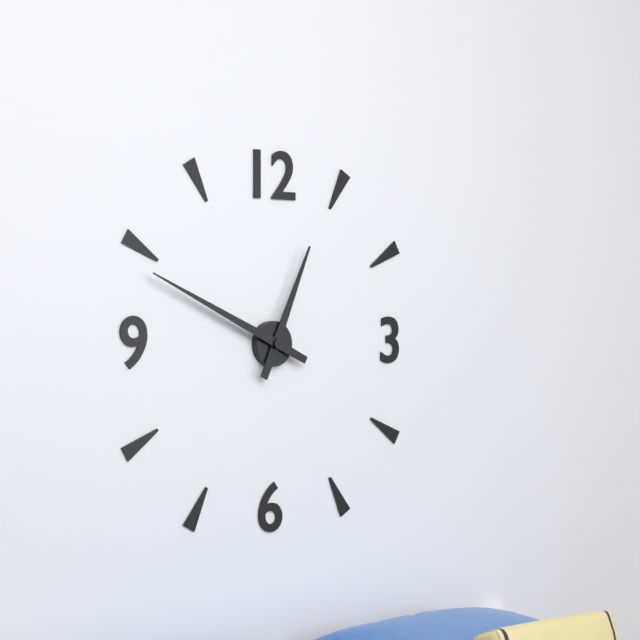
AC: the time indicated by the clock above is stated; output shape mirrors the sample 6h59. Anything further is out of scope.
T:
12h49
